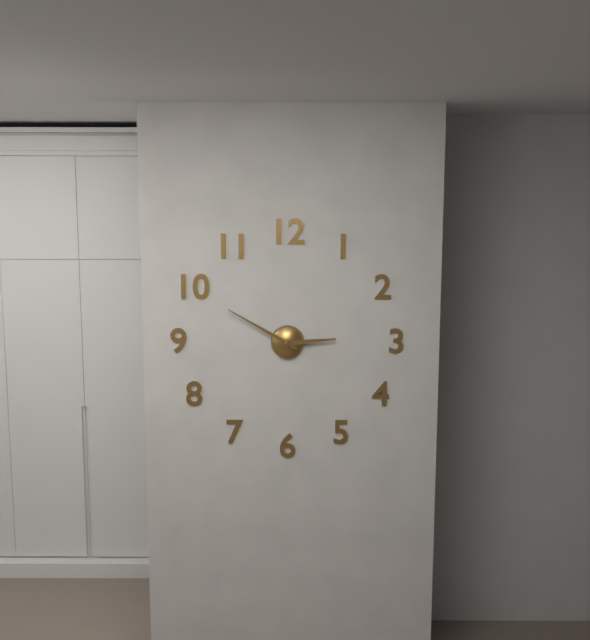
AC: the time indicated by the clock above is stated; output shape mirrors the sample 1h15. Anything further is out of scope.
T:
2h50
